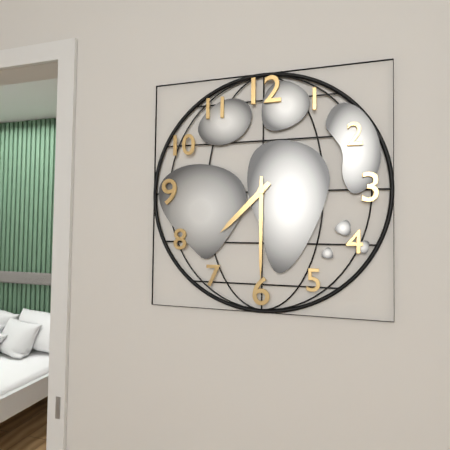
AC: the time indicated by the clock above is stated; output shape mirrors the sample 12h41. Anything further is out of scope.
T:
7h30
